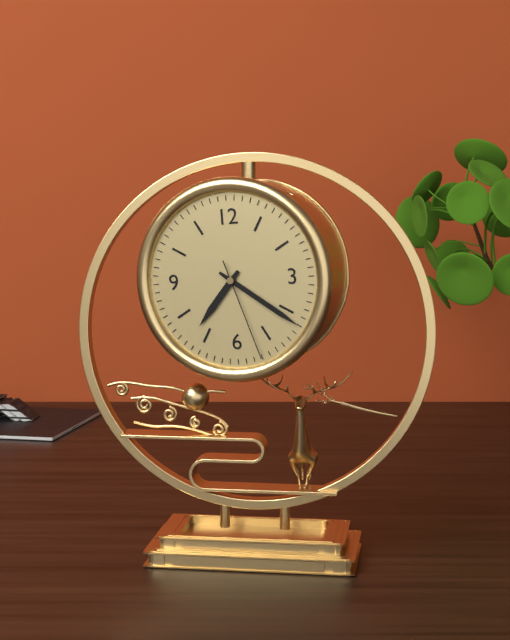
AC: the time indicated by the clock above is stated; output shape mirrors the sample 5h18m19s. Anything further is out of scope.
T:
7h21m27s
